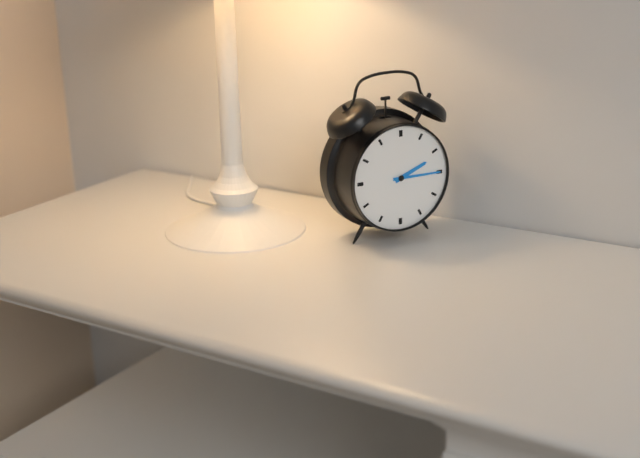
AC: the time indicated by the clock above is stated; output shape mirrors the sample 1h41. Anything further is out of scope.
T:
2h15
